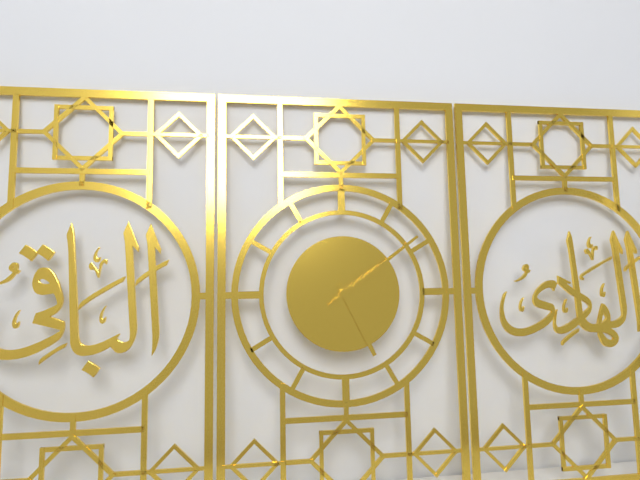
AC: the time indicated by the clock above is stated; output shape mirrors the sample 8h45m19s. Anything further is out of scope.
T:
5h09m09s
